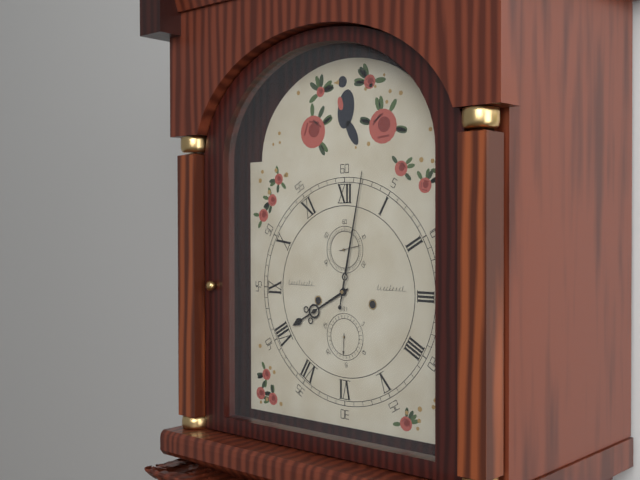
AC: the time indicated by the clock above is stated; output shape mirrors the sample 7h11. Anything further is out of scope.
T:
8h02
